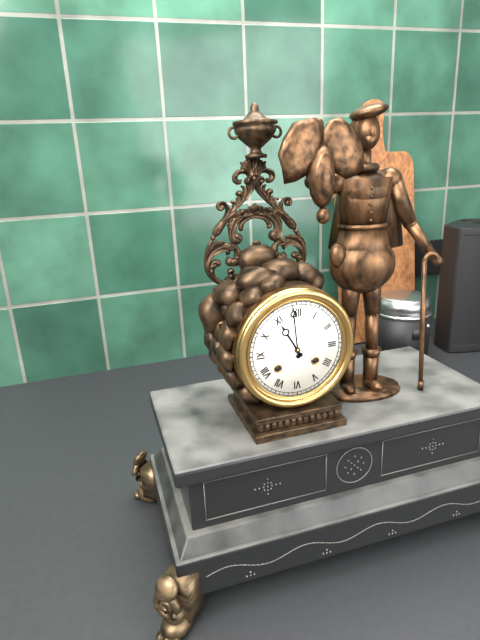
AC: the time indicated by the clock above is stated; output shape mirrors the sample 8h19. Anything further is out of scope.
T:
10h59
